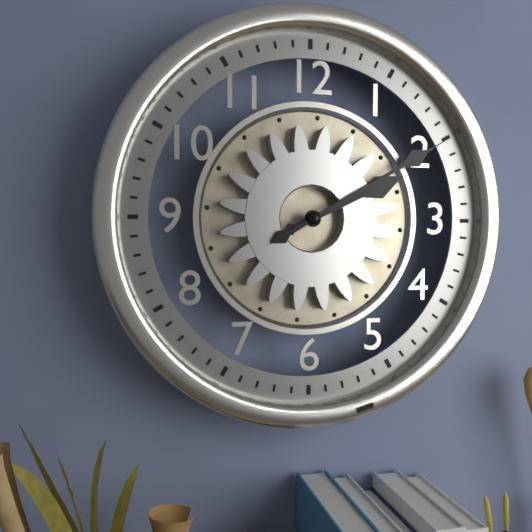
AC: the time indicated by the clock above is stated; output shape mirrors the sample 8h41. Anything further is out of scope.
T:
2h10
